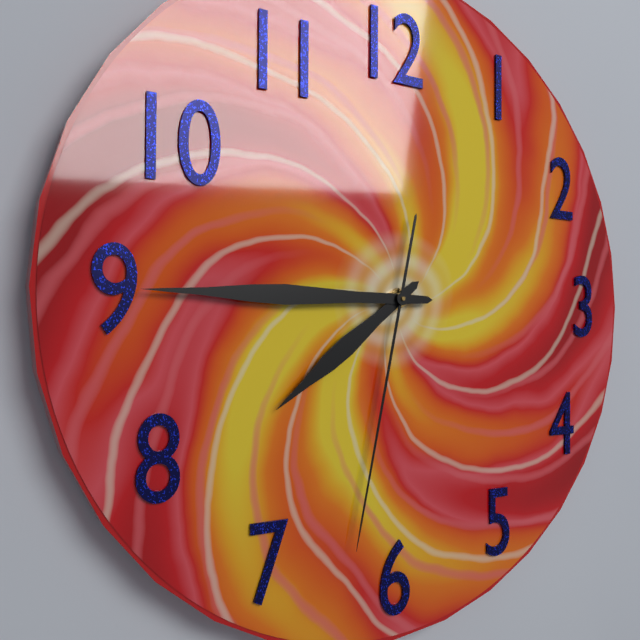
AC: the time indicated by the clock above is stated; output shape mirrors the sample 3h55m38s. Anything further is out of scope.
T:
7h45m32s
